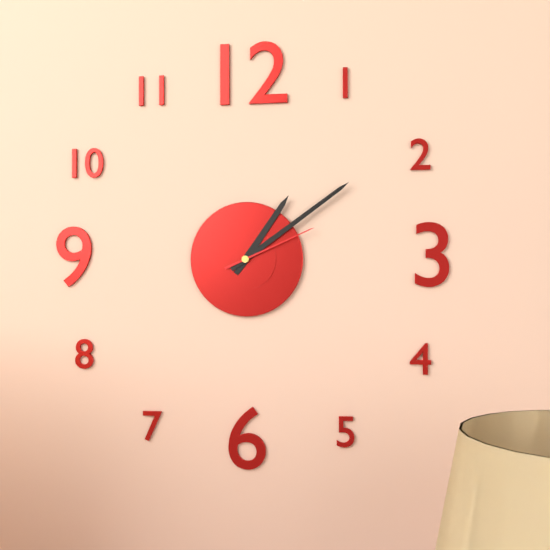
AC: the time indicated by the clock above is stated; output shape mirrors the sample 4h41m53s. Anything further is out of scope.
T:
1h09m11s
